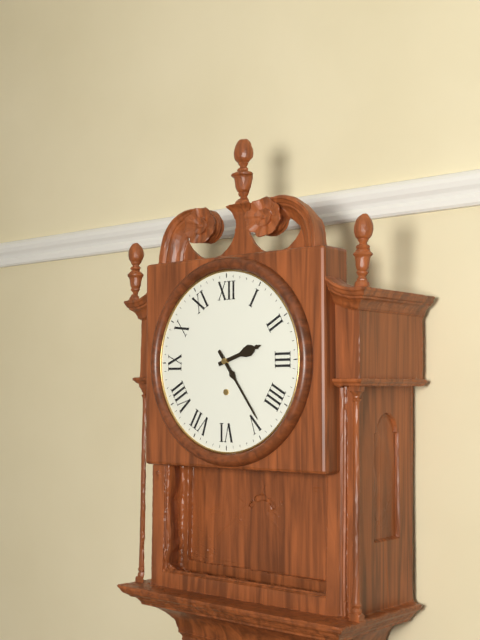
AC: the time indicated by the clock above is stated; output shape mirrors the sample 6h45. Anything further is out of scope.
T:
2h24
